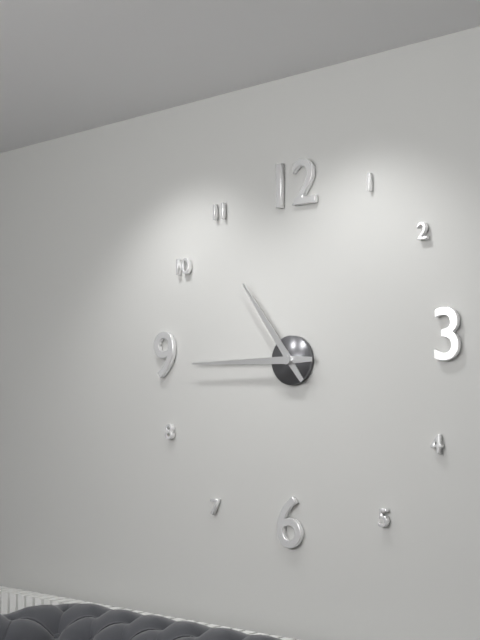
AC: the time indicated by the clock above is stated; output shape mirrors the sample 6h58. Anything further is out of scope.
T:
10h45
